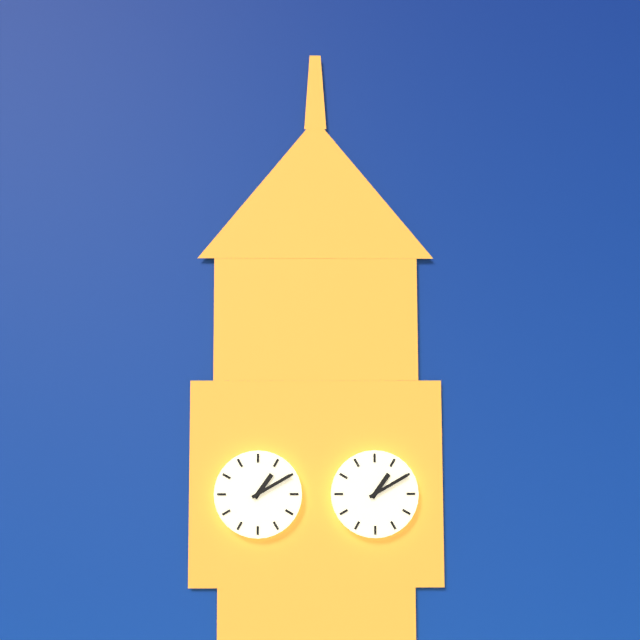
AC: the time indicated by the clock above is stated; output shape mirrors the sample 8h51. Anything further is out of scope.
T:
1h10
